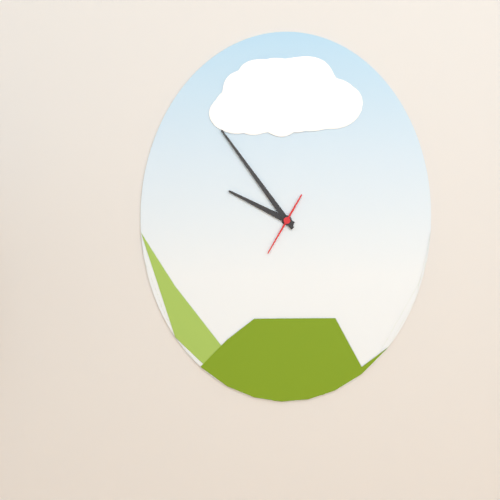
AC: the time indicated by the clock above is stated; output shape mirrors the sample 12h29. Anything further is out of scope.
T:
9h54
